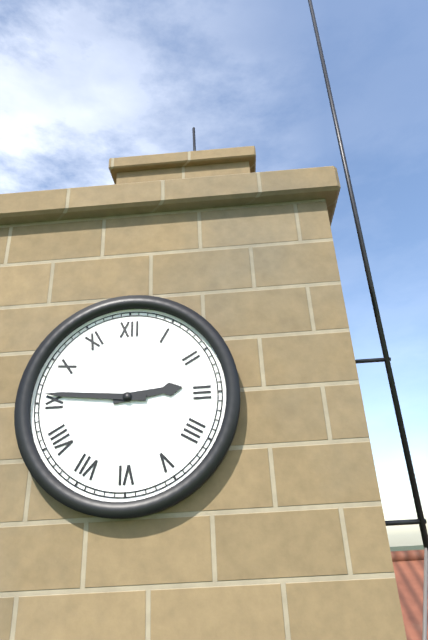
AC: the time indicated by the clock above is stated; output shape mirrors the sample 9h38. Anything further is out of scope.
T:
2h46
